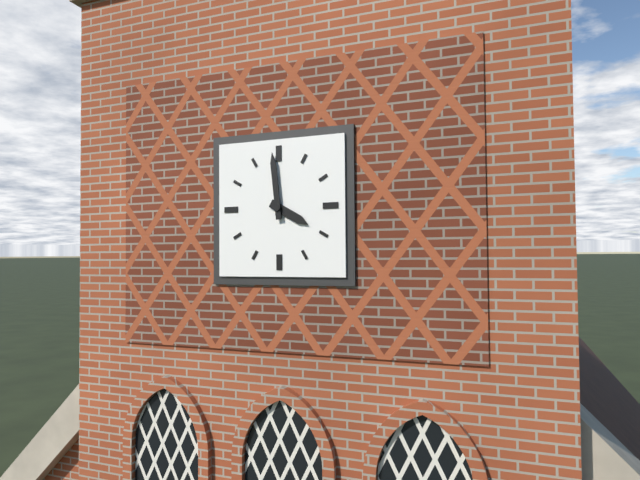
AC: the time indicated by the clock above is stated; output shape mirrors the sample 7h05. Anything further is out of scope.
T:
3h59
